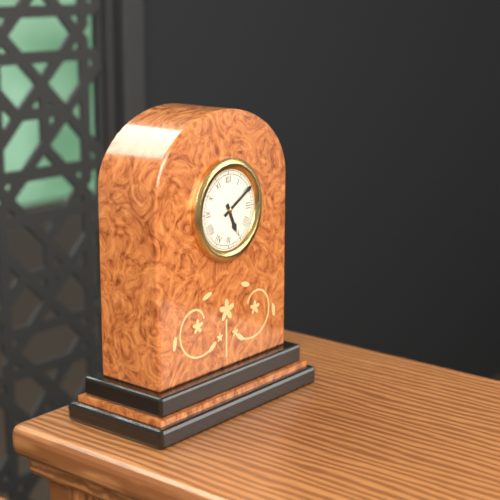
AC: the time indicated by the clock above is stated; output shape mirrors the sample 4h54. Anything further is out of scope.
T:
5h10
